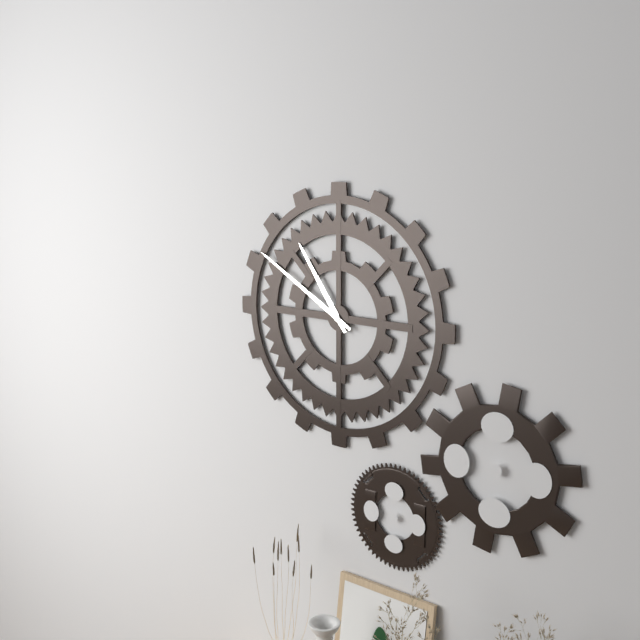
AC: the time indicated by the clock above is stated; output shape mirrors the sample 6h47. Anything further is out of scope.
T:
10h50
